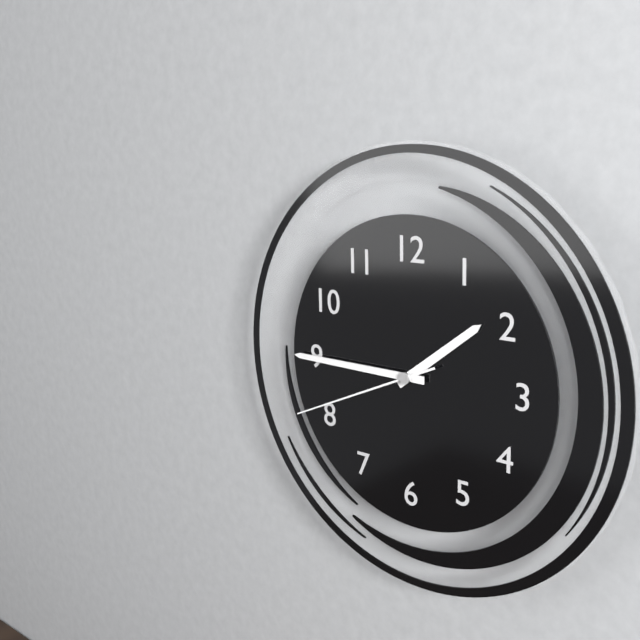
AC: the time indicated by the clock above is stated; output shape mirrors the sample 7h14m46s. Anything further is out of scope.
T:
1h45m41s
